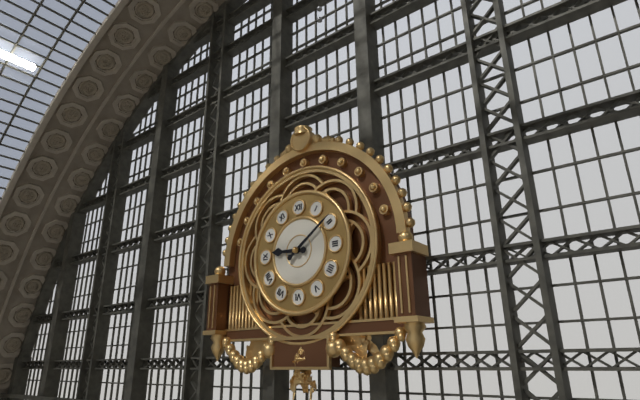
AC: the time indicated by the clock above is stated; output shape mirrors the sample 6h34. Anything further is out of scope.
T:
9h09
